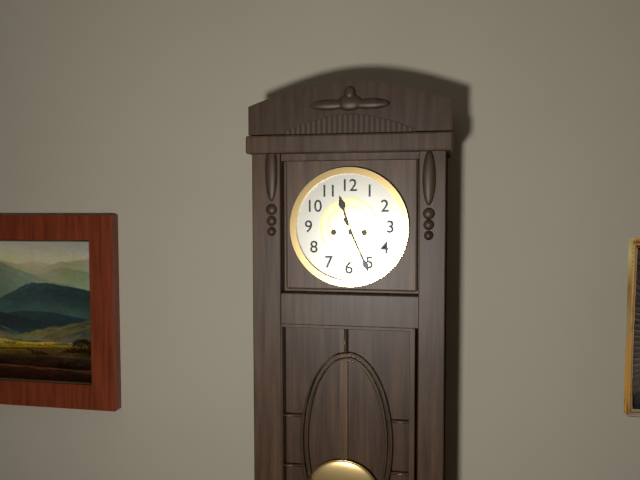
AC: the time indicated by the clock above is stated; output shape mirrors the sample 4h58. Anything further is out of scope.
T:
11h26
